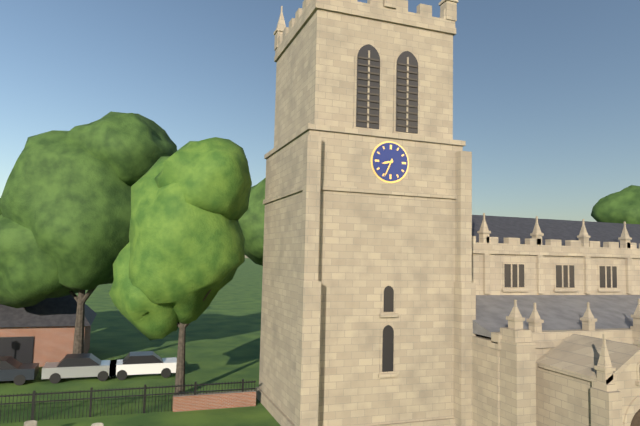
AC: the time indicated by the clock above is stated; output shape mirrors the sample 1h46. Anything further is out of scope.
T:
8h34
